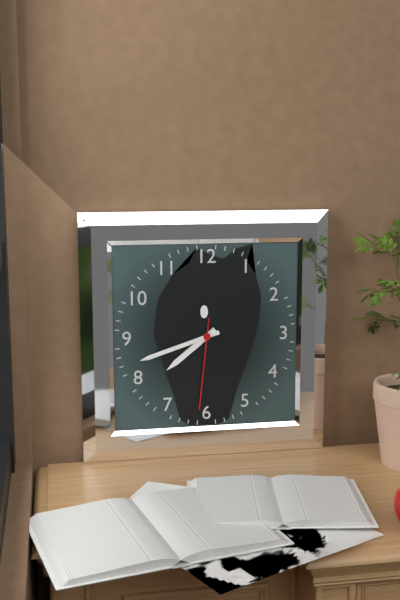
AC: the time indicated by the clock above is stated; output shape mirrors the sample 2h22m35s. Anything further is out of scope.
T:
7h42m31s
